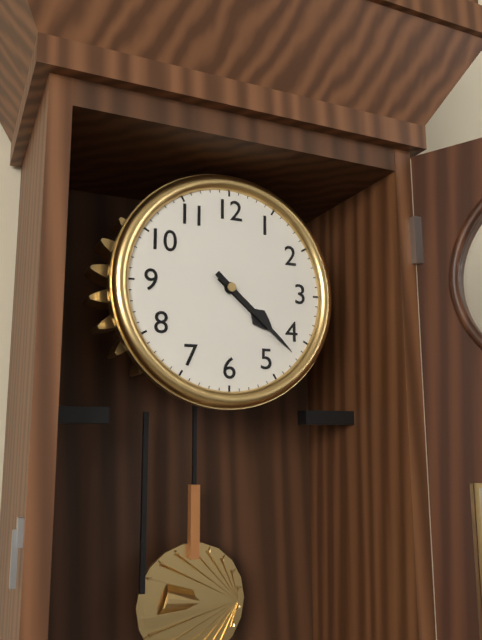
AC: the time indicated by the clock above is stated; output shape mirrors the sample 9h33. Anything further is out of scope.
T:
4h22
